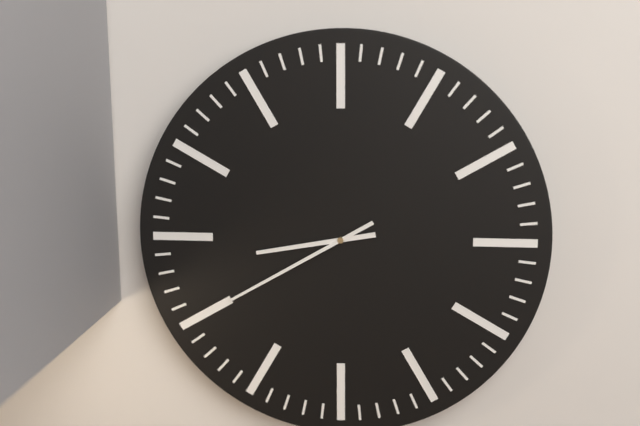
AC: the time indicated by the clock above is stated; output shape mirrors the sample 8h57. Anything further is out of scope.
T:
8h40
